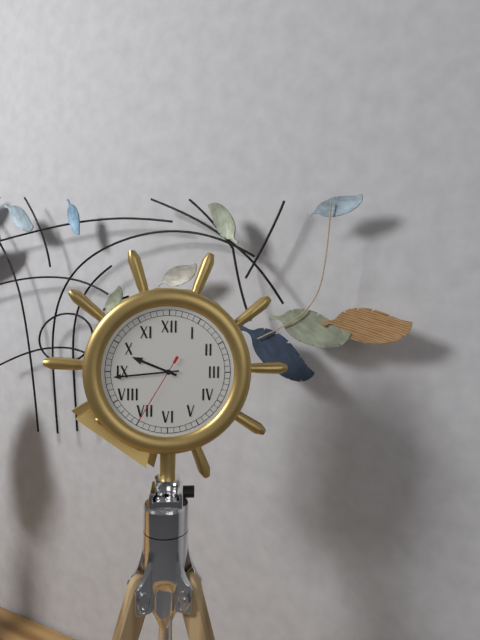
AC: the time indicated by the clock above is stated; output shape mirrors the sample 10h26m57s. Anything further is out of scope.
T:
9h44m35s
